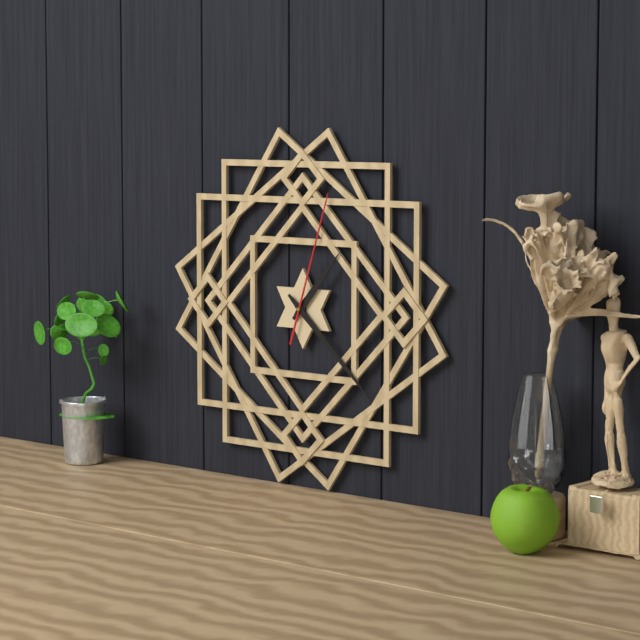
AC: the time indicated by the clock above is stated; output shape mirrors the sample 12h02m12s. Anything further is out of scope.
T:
1h22m03s
